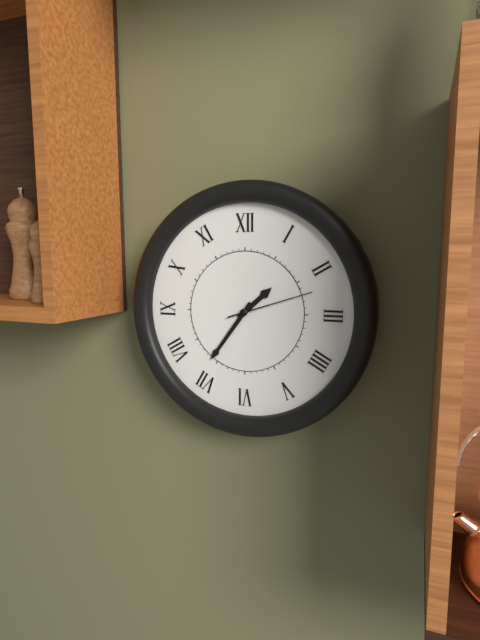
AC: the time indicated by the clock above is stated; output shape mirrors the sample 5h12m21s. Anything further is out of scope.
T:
1h36m12s
